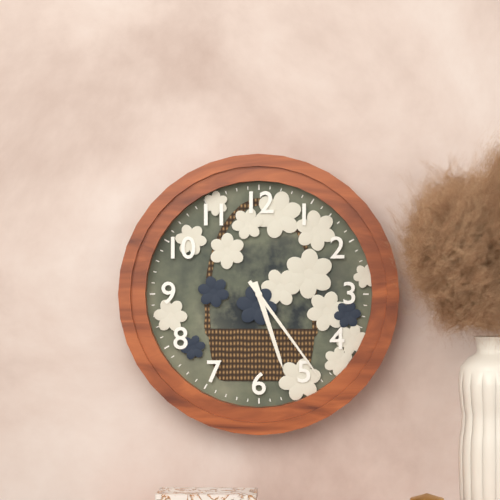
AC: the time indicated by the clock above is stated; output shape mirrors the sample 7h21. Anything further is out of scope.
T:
5h24
